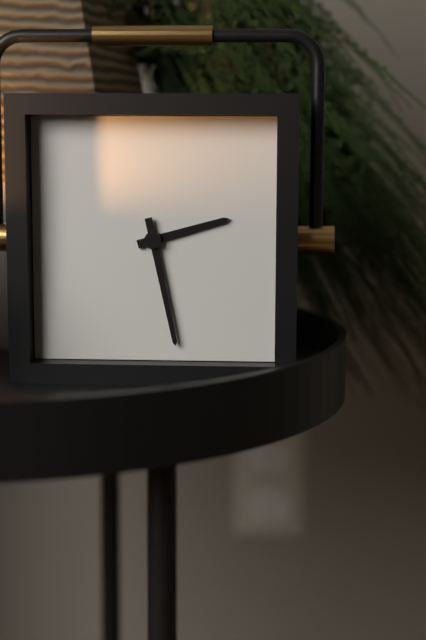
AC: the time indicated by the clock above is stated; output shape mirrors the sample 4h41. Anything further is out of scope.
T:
2h28
